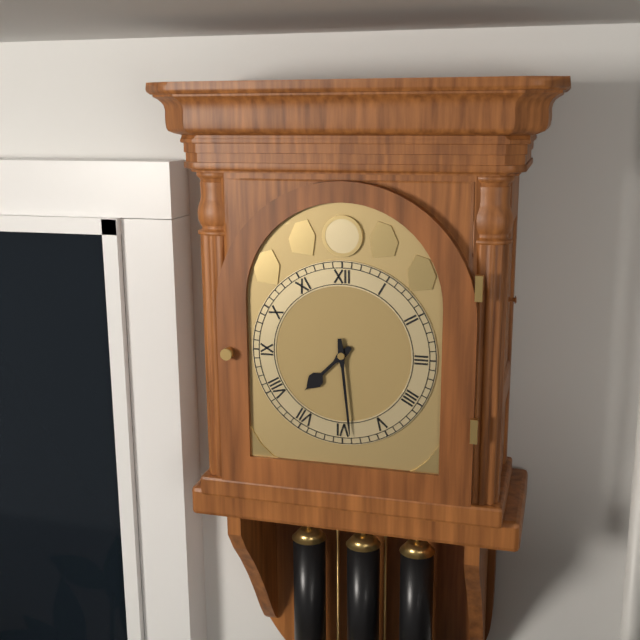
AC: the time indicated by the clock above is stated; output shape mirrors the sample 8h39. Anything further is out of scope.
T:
7h29
